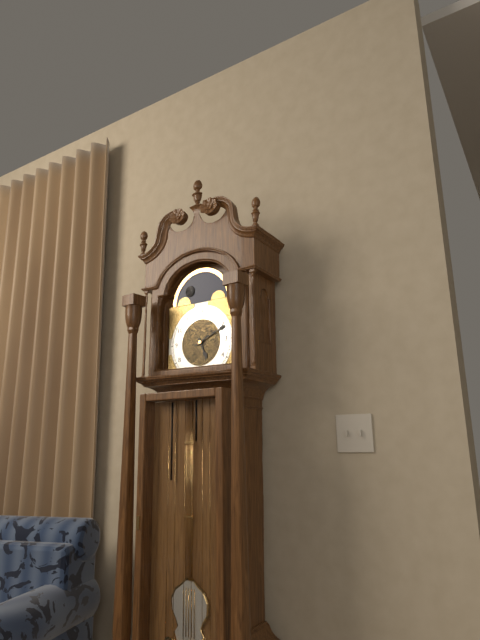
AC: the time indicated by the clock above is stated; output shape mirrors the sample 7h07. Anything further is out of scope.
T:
5h11
